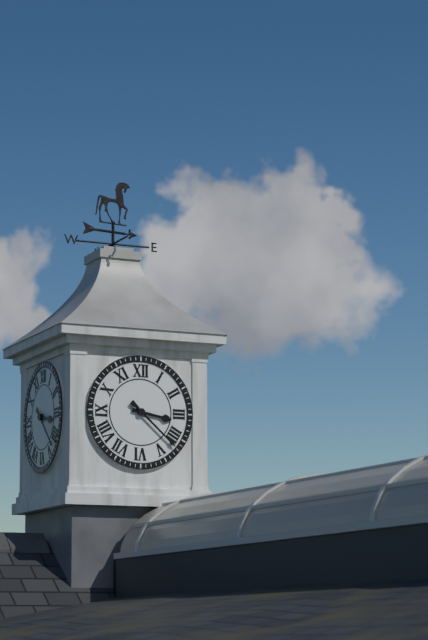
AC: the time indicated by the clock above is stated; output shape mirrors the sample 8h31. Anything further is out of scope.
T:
3h22
